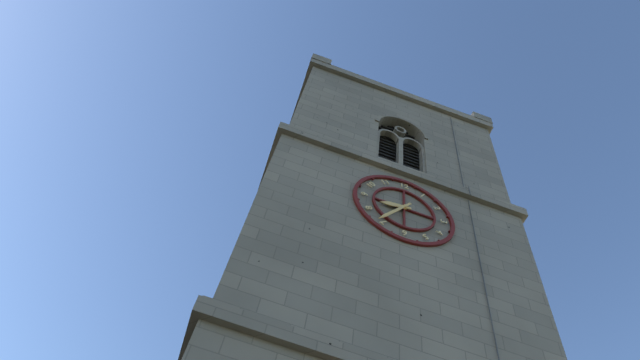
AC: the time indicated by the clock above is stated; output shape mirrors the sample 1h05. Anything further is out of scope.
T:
8h36
